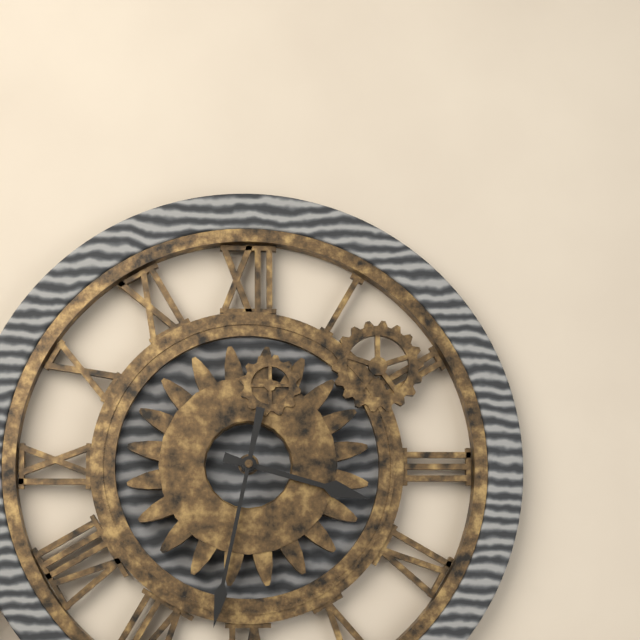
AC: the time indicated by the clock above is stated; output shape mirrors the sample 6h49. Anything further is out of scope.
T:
3h32
